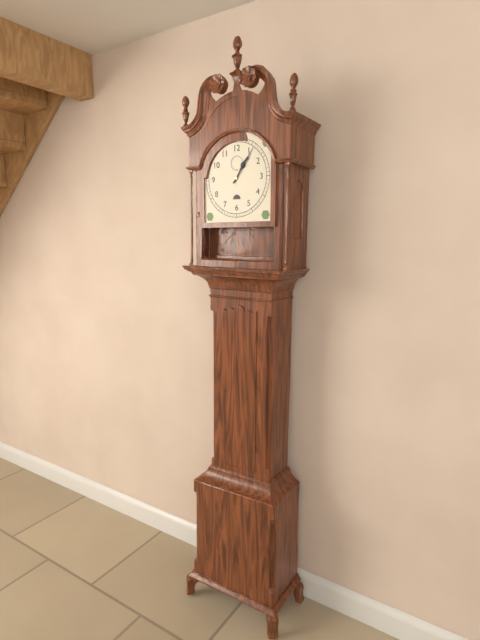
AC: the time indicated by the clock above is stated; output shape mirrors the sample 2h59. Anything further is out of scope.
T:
1h06
